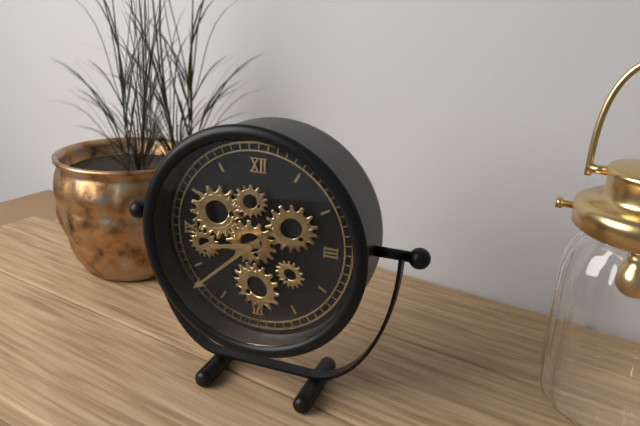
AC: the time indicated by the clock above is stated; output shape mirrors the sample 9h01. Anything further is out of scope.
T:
8h38
